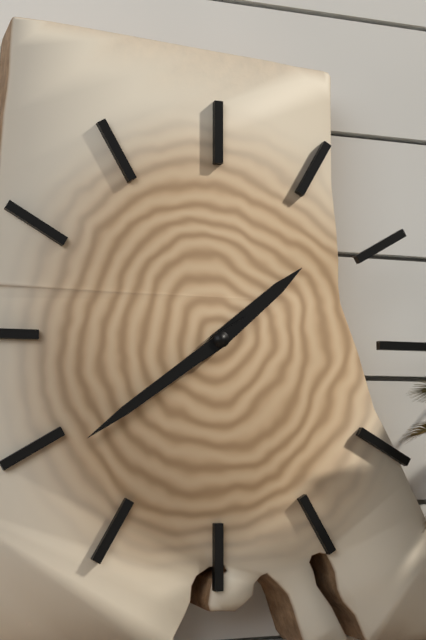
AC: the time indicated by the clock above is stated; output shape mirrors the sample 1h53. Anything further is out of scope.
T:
1h39
